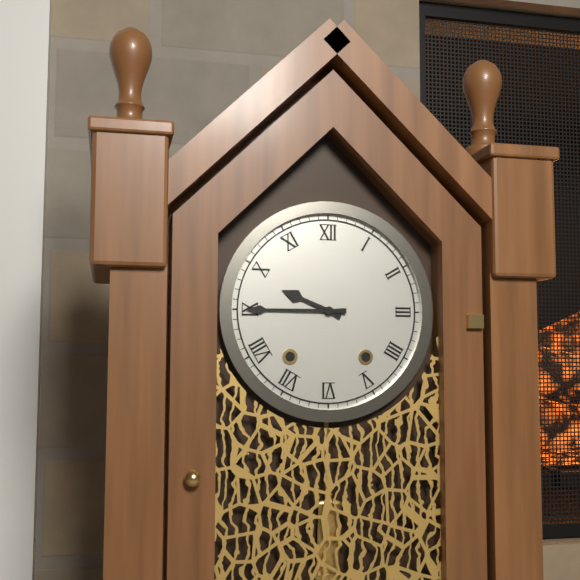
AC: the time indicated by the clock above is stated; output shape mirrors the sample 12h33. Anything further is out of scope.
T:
9h45
